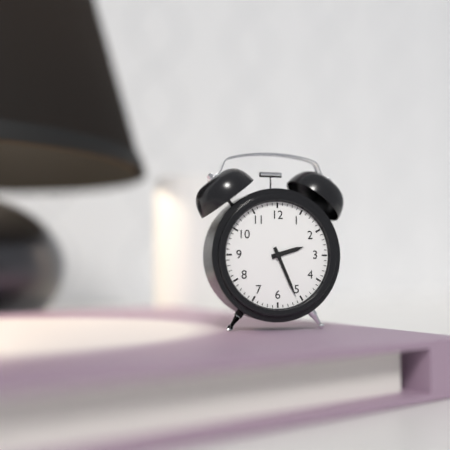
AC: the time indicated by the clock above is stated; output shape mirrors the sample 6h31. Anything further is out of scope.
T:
2h26
